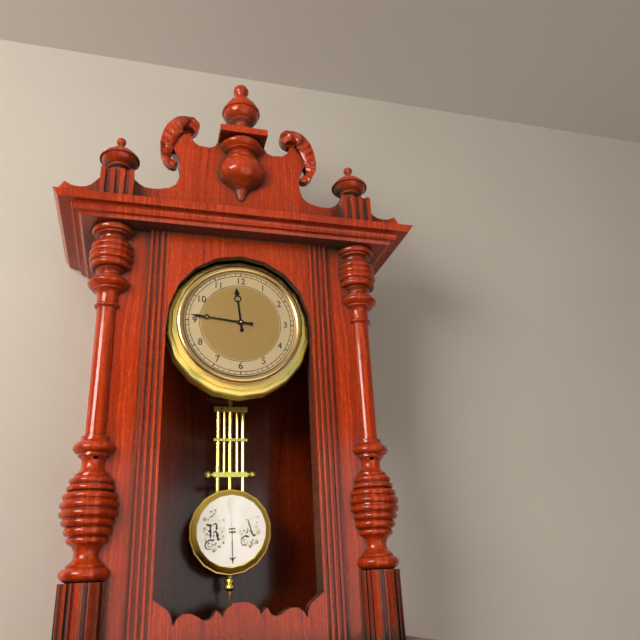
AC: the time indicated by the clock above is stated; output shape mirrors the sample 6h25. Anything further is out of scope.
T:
11h46
